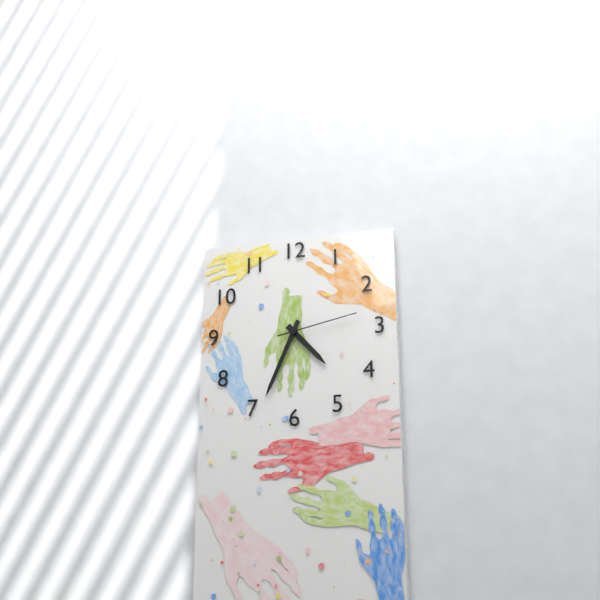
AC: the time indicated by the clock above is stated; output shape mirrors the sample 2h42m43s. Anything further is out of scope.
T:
4h34m13s
